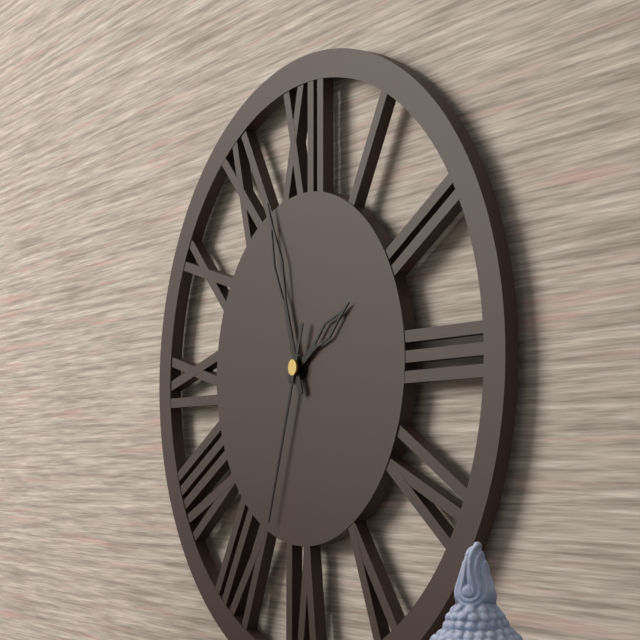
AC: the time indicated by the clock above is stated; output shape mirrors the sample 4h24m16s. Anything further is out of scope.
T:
1h57m33s
